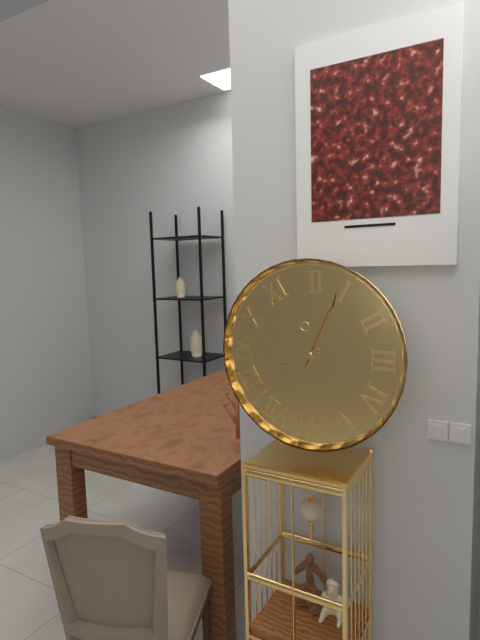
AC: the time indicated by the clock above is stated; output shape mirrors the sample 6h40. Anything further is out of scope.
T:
8h04
